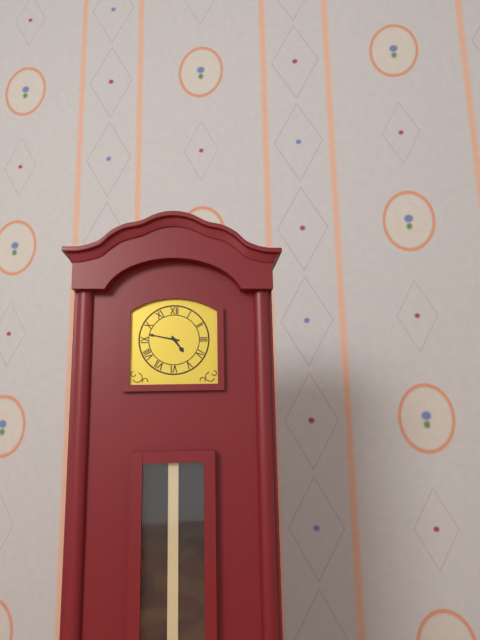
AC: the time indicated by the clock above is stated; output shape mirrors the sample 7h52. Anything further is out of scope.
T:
4h47
